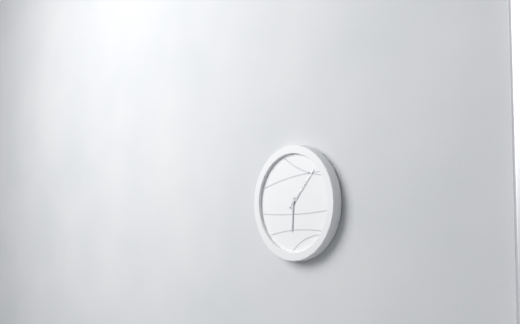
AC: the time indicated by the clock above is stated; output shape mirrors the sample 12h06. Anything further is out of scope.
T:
6h07
